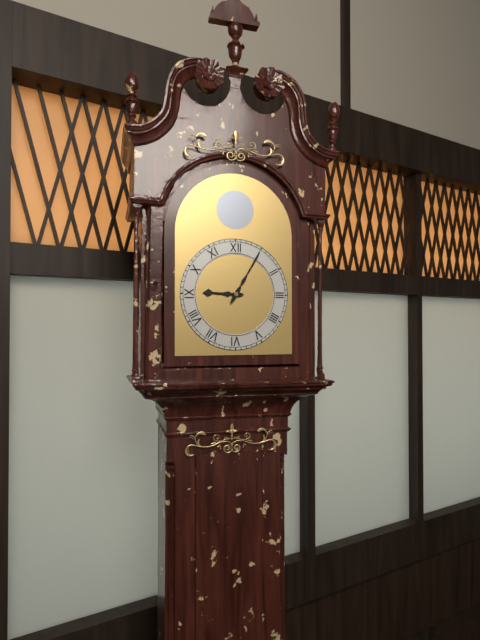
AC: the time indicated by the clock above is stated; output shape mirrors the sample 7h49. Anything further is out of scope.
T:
9h05
